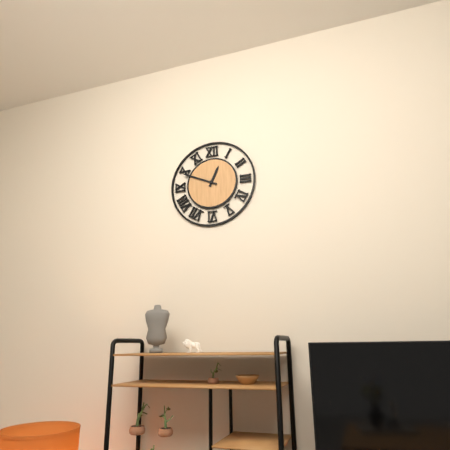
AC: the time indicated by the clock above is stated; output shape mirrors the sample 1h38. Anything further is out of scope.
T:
12h49
